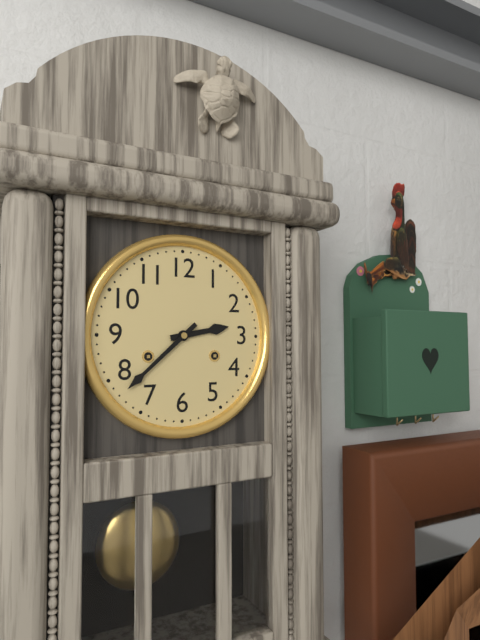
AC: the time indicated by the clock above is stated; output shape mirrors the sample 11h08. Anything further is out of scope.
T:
2h38
